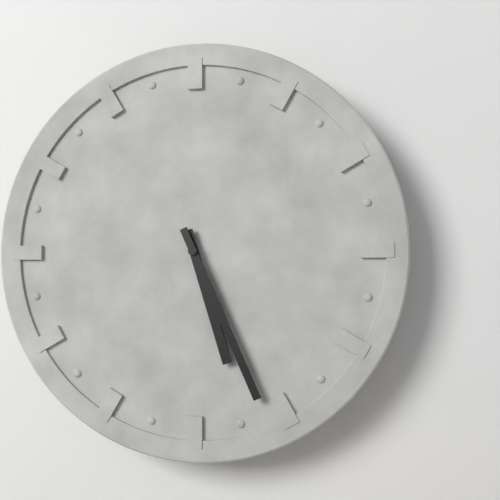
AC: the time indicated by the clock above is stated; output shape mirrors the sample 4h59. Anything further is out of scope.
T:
5h26
